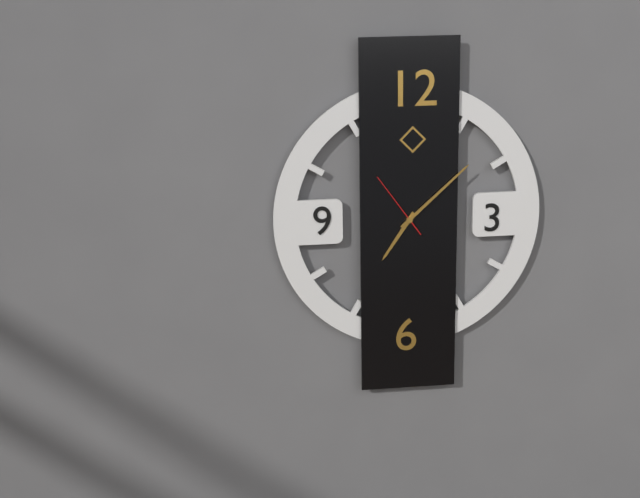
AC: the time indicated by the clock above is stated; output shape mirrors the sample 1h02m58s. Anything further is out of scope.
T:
7h08m54s
